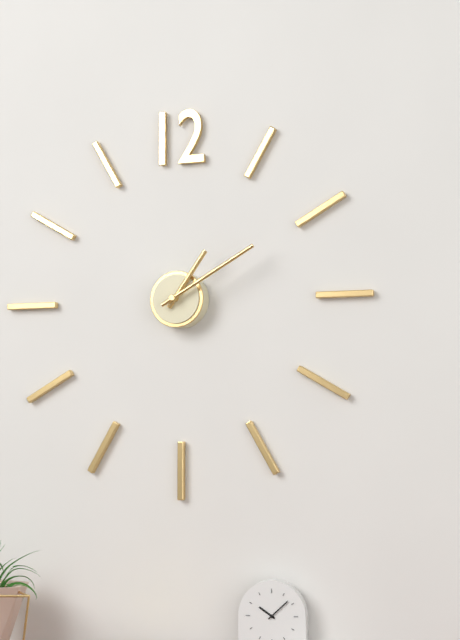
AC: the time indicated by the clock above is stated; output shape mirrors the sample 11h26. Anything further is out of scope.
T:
1h10
